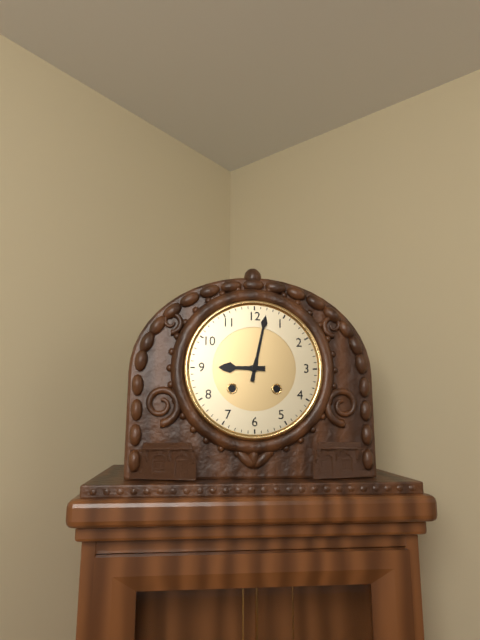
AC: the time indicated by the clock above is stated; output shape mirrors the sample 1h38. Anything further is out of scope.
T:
9h02
